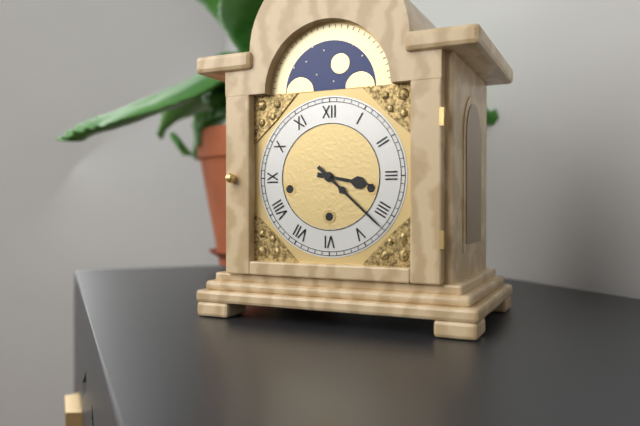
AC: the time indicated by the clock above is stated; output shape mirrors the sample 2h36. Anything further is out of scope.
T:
3h22
